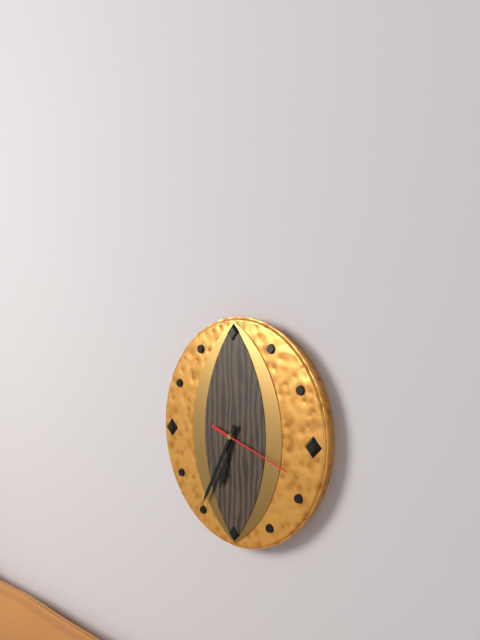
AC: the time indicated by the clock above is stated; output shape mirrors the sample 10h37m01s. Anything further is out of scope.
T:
6h35m18s
